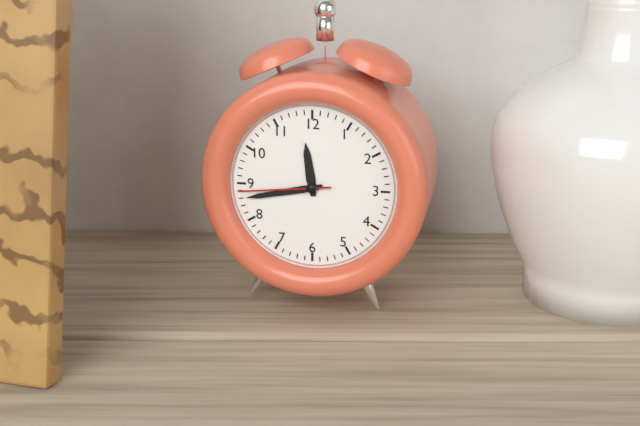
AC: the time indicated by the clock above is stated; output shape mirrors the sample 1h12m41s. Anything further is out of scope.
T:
11h43m44s
